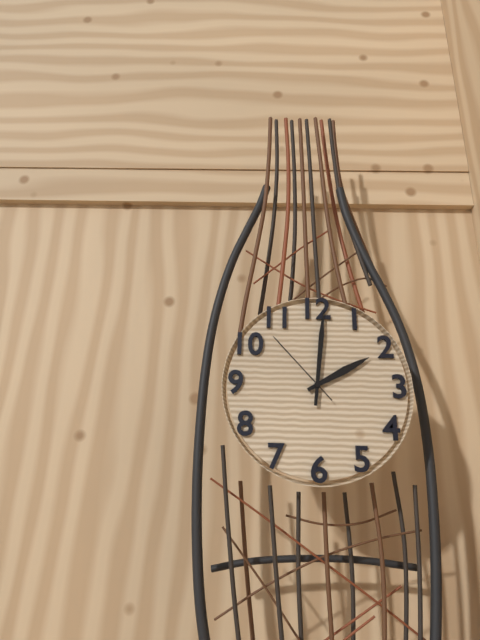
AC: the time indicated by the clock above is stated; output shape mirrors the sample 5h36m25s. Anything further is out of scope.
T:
2h01m53s
